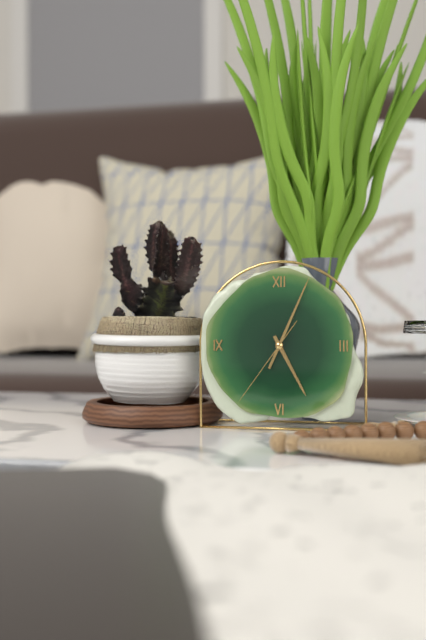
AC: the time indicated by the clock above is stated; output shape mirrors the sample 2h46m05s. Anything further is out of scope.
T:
5h04m36s
